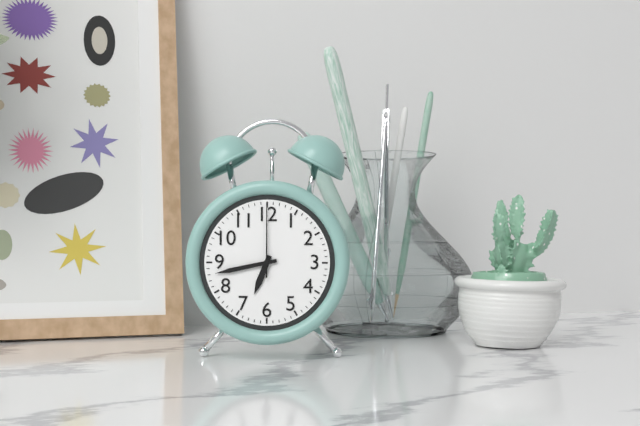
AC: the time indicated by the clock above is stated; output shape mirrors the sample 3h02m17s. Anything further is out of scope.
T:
6h43m00s
